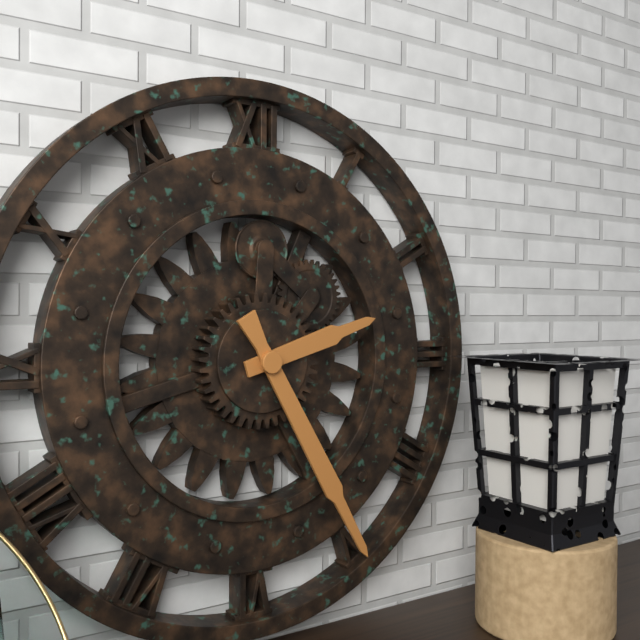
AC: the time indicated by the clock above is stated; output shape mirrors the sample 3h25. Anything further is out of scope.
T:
2h25
